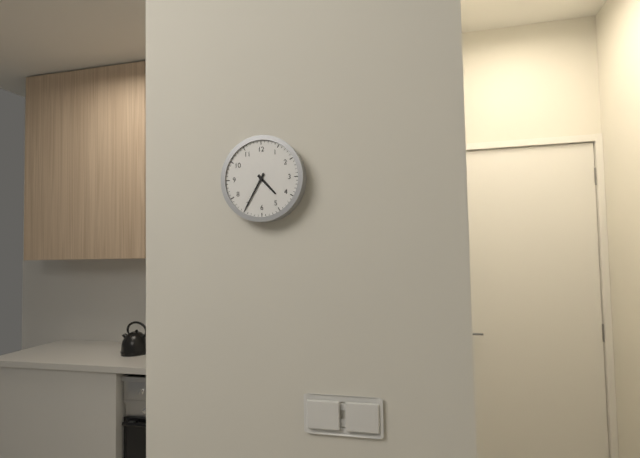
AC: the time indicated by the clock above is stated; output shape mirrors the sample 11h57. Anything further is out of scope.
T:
4h35
